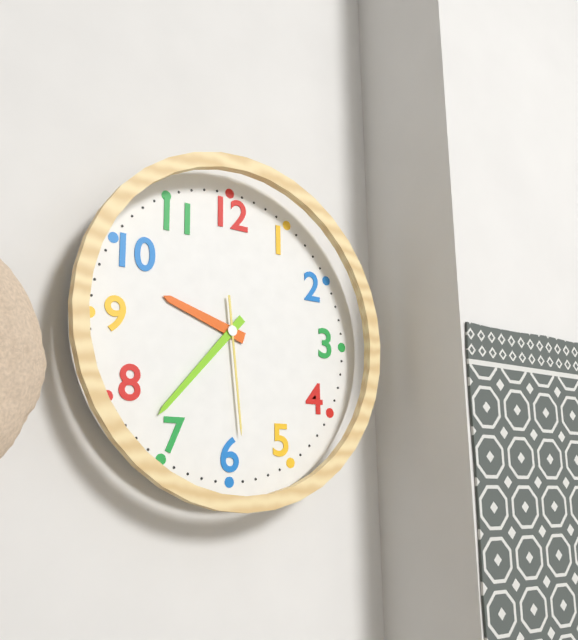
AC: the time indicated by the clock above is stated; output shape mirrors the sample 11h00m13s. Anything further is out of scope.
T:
9h37m29s
